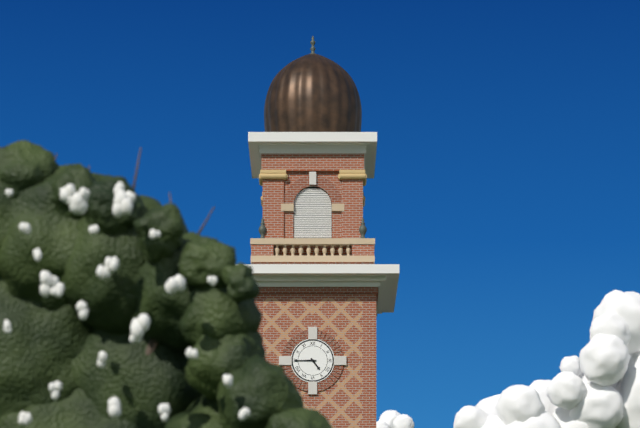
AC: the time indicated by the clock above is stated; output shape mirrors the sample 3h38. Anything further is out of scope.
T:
4h45
